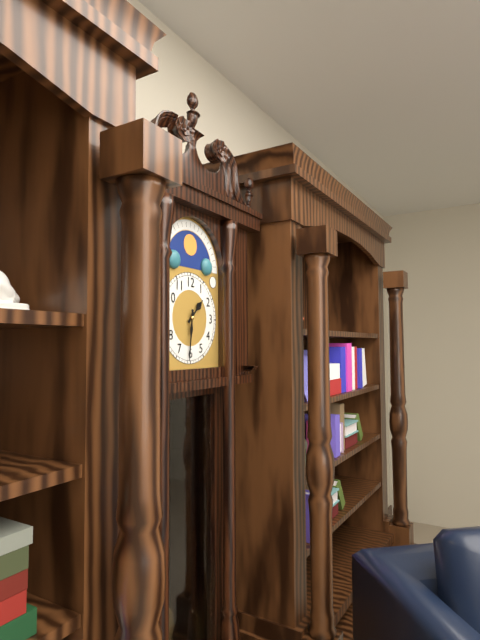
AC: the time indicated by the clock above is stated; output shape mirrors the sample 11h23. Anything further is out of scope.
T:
1h31
